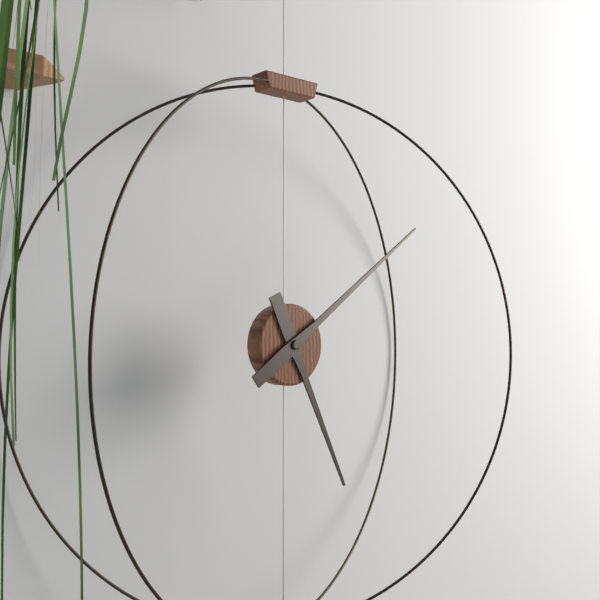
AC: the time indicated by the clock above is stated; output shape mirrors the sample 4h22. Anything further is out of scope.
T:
5h09
